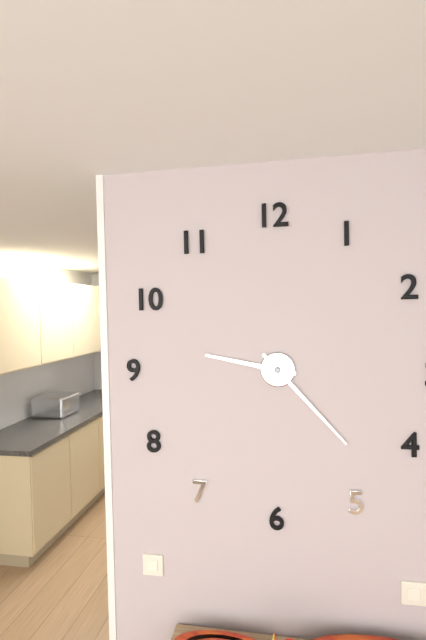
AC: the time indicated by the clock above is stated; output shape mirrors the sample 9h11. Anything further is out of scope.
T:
9h23
